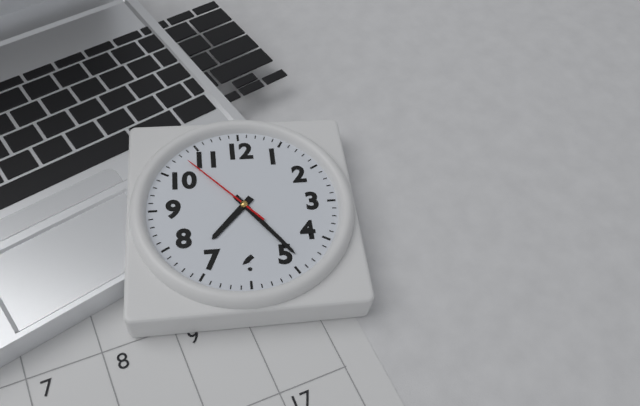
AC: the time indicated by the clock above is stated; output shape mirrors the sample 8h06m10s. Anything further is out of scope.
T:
7h24m53s
